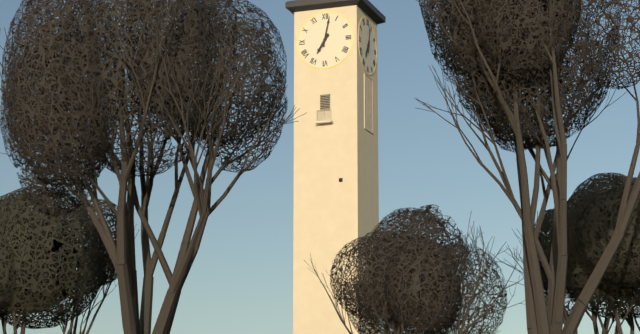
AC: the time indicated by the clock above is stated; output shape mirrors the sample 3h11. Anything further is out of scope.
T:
7h02
